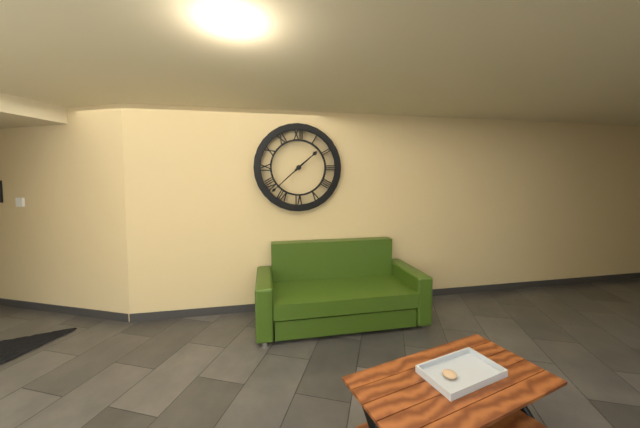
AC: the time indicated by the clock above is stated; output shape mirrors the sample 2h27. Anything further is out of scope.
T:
1h38
